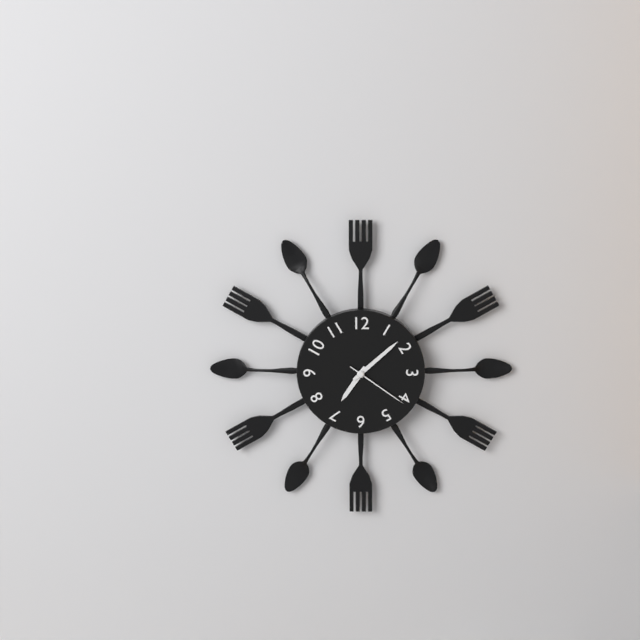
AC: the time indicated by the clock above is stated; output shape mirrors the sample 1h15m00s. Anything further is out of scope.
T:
7h08m21s
